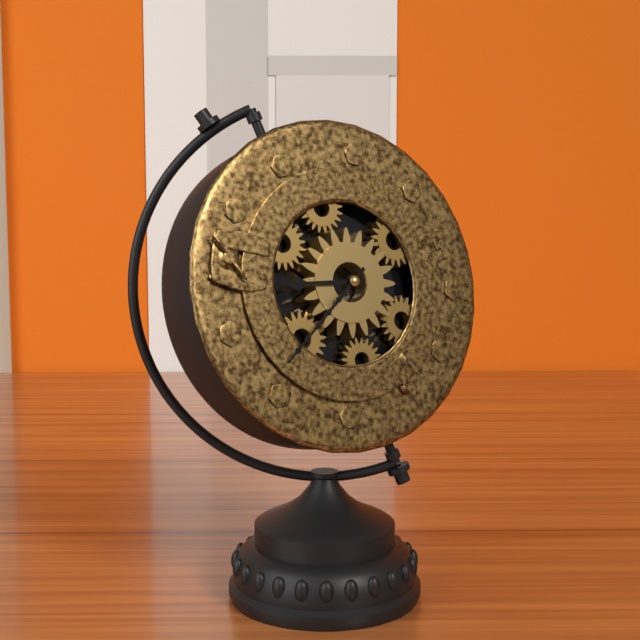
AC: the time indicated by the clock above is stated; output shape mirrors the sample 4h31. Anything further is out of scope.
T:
8h36
